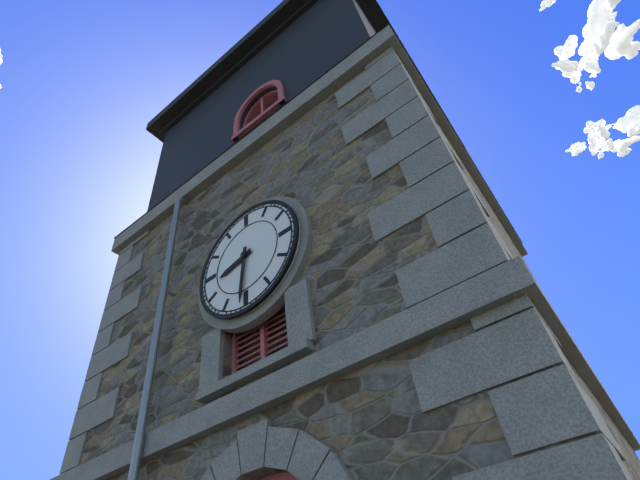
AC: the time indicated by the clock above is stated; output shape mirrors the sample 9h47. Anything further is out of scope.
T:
8h31
